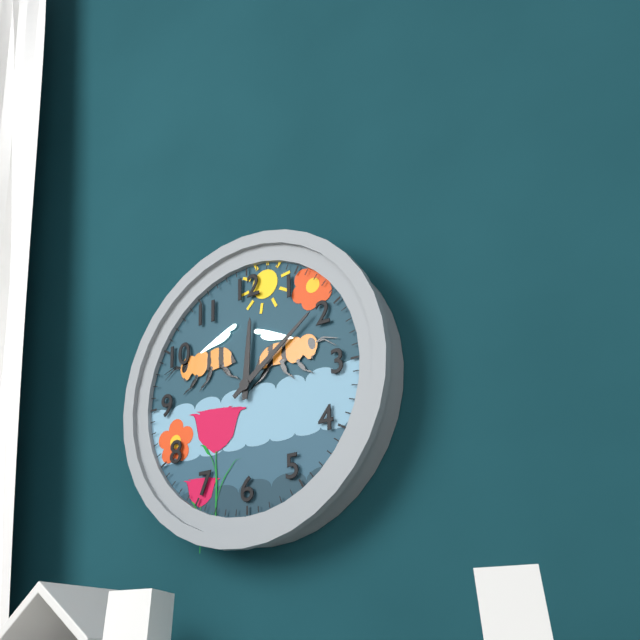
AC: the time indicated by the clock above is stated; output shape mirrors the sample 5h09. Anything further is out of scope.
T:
12h09
